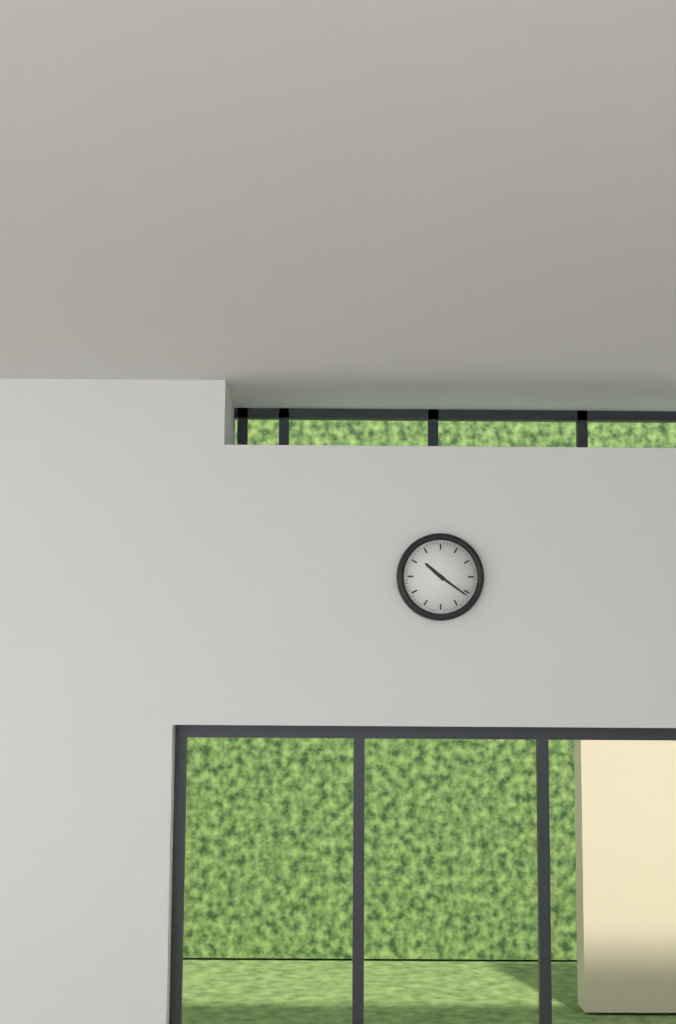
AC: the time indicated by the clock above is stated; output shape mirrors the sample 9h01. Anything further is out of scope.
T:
10h21
